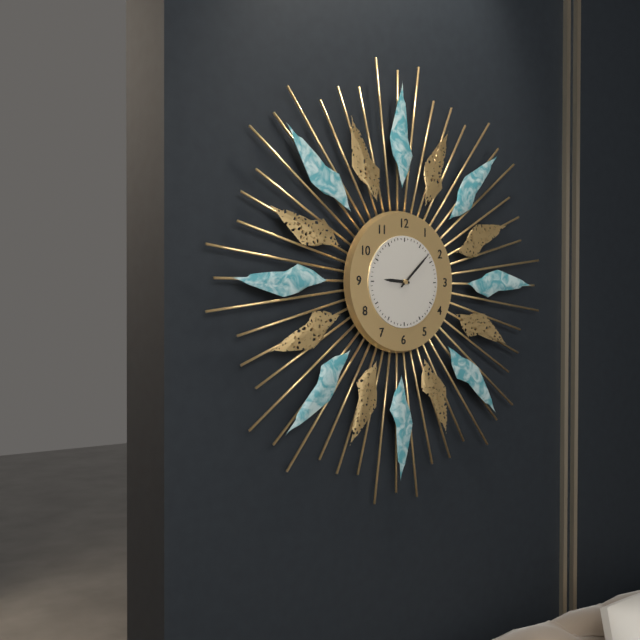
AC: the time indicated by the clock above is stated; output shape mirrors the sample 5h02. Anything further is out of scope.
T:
9h08
